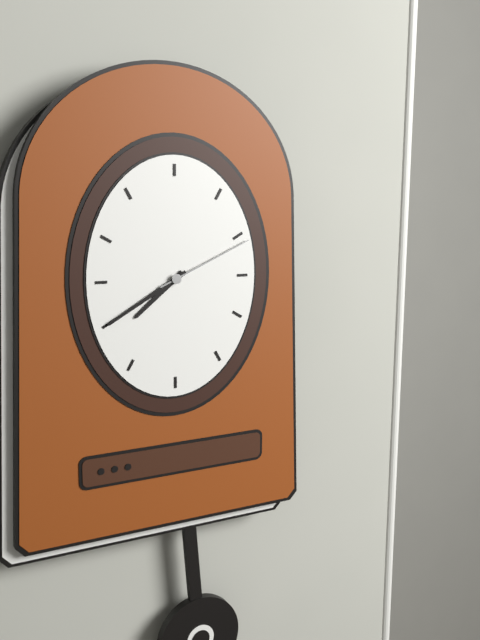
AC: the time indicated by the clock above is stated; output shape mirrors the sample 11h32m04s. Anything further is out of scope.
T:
7h40m11s
